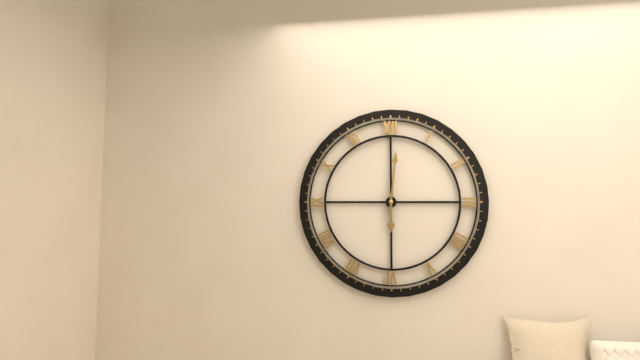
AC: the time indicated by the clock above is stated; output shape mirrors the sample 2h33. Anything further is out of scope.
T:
6h01
